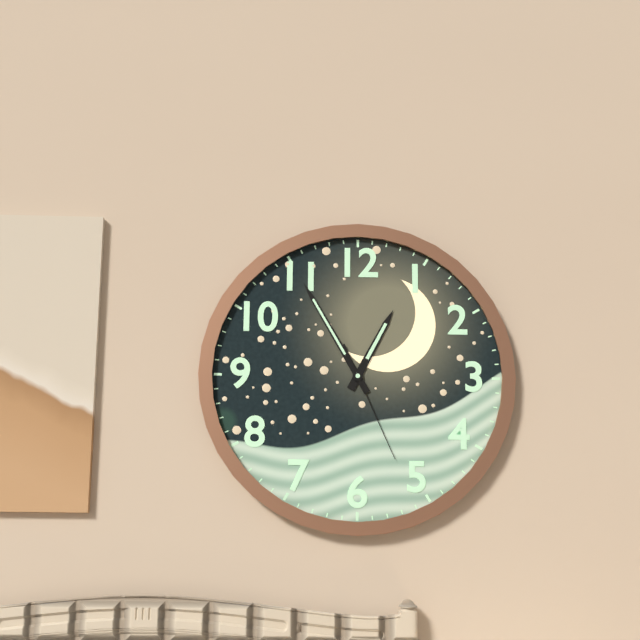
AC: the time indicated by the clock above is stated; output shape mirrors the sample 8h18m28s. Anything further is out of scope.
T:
12h55m26s
